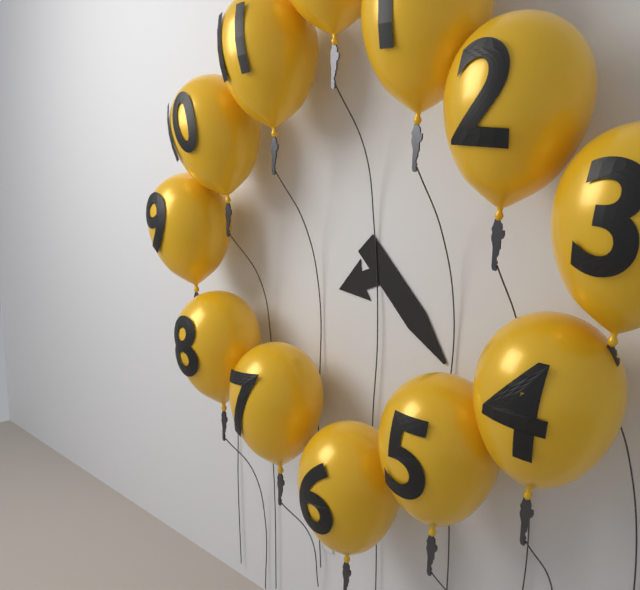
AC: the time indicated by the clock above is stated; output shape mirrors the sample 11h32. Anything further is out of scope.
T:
8h23
